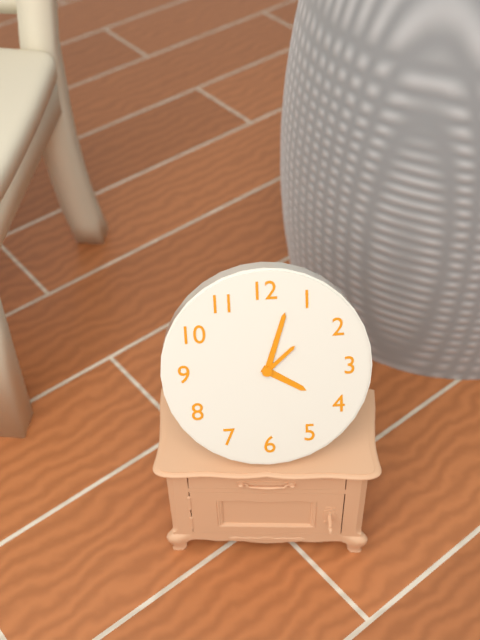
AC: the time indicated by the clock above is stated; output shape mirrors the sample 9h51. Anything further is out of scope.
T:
4h03
